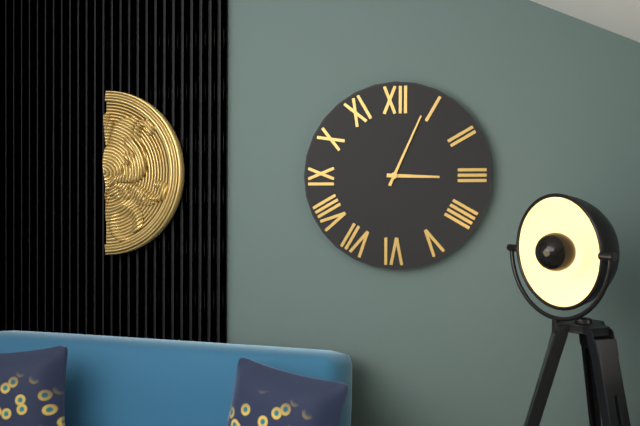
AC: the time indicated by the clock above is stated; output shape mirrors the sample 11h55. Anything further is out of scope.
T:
3h04
